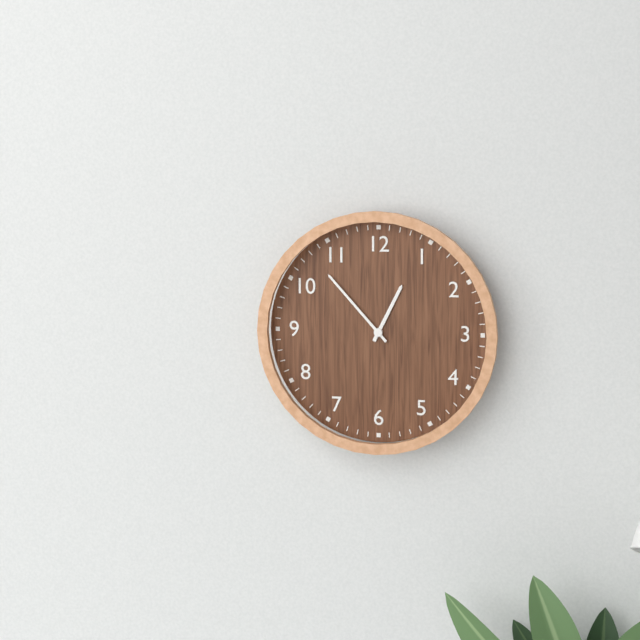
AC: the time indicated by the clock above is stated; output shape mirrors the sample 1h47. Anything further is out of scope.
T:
12h53
